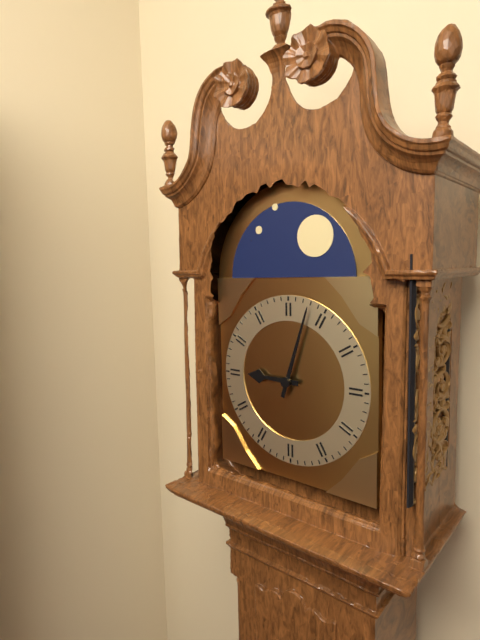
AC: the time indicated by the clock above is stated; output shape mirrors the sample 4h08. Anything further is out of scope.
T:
9h03
